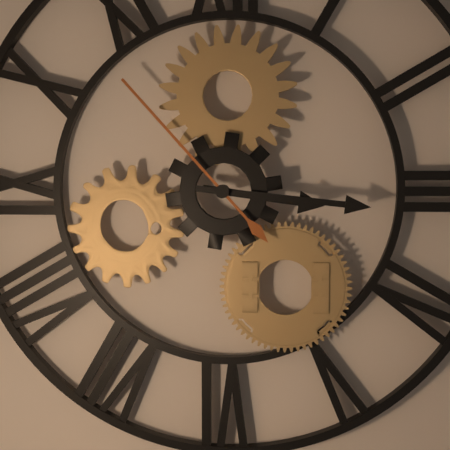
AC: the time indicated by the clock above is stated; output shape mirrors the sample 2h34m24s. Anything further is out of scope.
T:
3h16m53s
